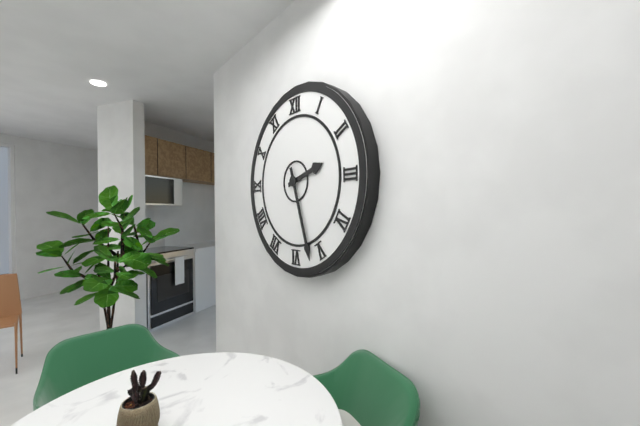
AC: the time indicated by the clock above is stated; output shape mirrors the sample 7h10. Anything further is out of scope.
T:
2h27
